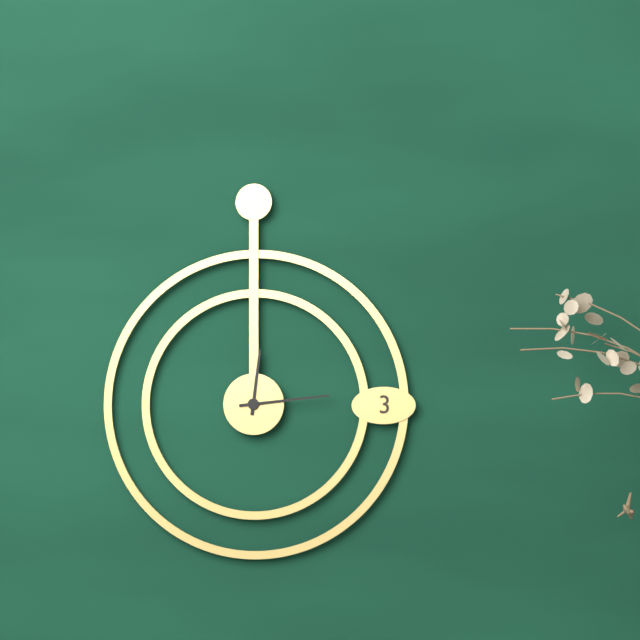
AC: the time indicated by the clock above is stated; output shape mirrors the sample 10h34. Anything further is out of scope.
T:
12h14
